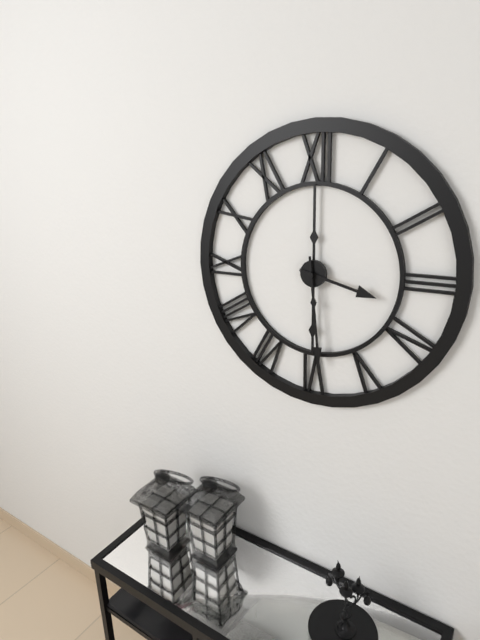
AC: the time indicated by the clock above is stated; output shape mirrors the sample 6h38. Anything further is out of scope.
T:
3h29
